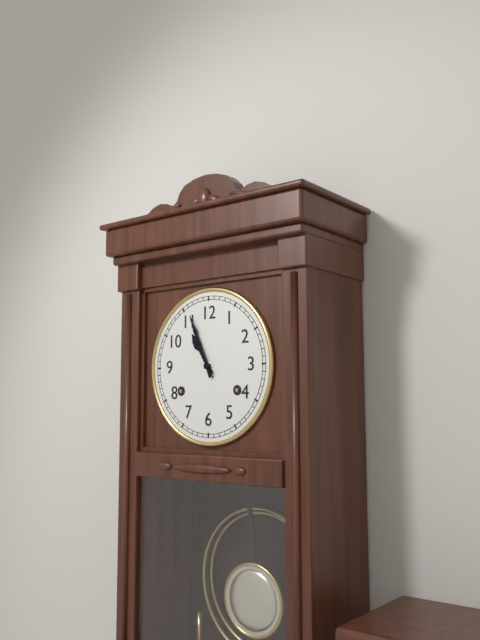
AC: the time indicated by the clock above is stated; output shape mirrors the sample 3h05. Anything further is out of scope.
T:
10h56
